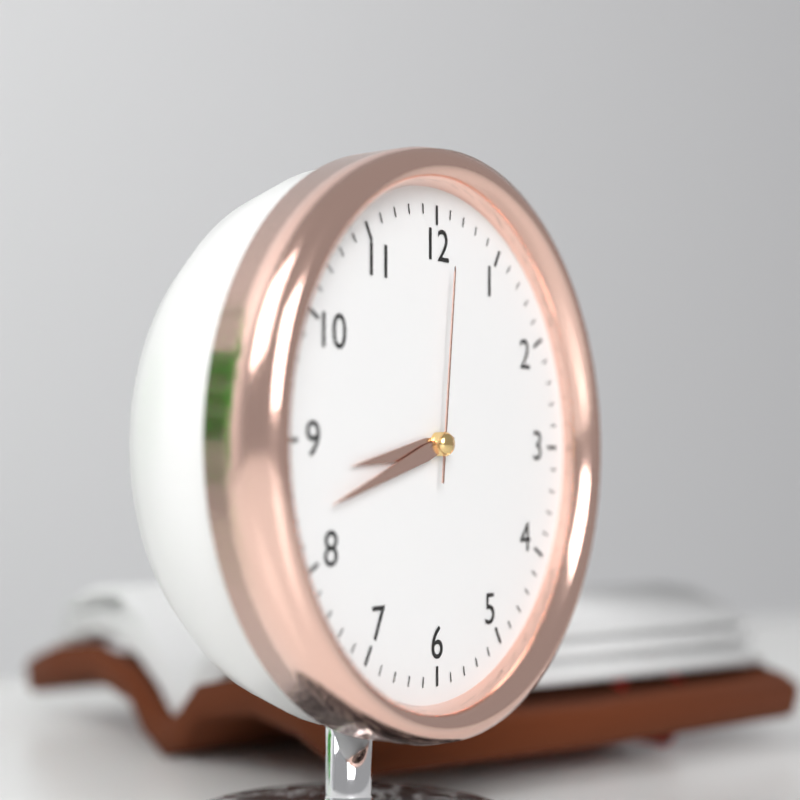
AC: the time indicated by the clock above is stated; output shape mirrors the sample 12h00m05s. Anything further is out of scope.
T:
8h42m01s
